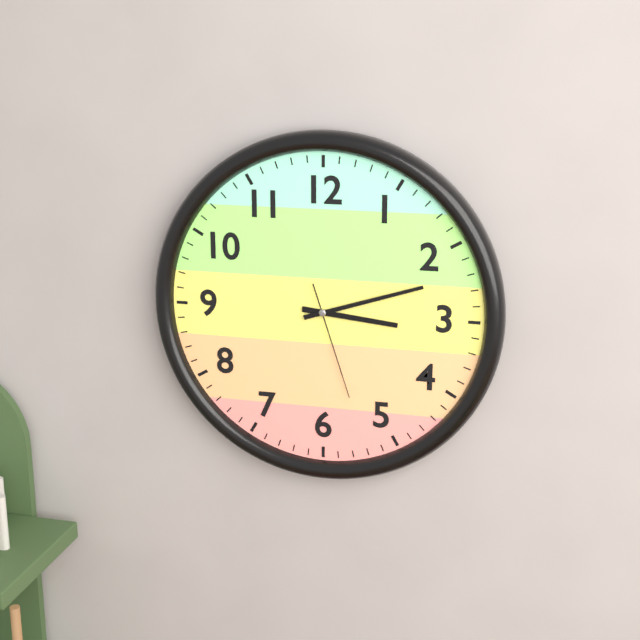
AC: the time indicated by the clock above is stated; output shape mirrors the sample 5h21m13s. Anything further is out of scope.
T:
3h12m27s
